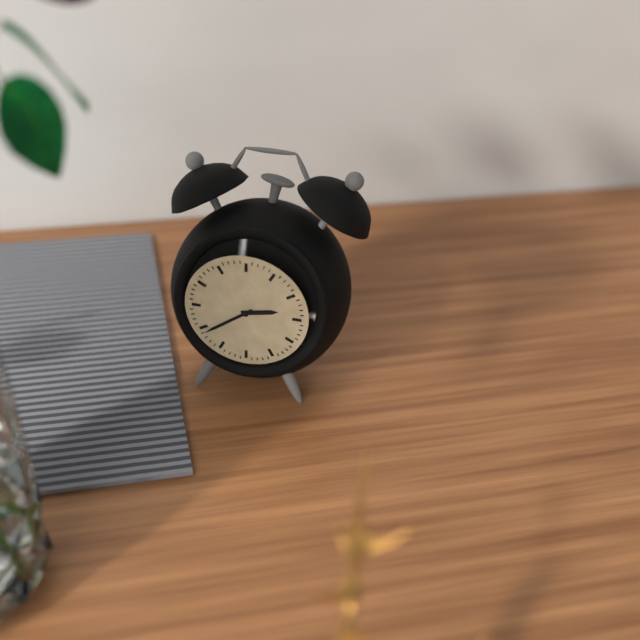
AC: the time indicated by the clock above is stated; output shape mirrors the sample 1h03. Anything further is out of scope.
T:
2h39
